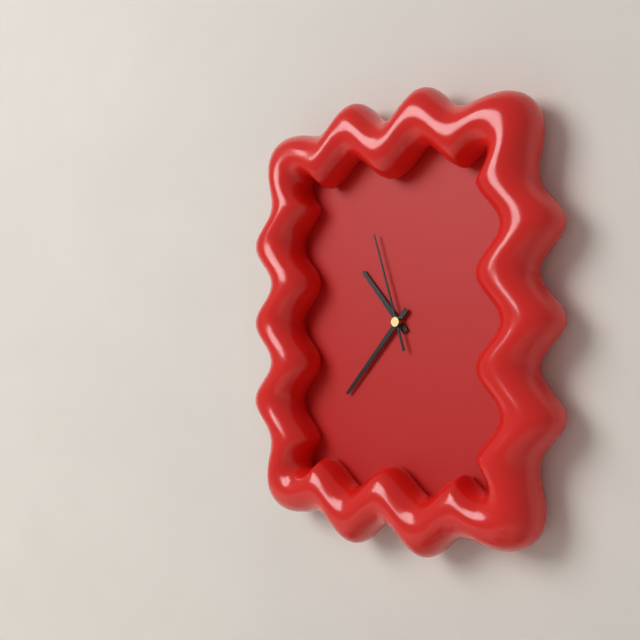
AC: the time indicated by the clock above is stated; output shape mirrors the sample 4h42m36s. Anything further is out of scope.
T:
10h37m57s
